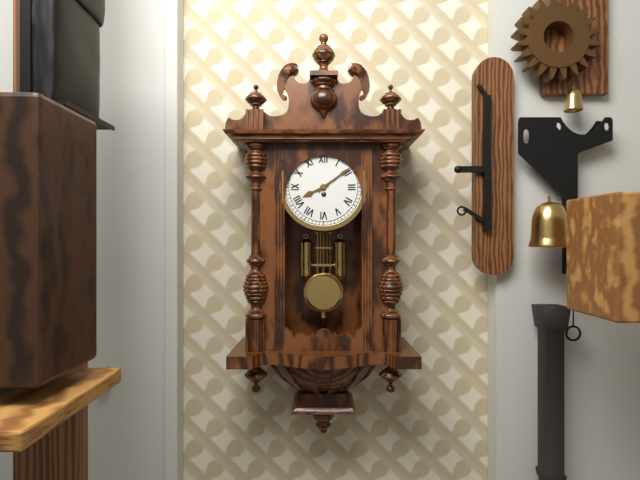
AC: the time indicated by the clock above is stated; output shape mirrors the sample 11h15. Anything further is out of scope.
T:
8h09
